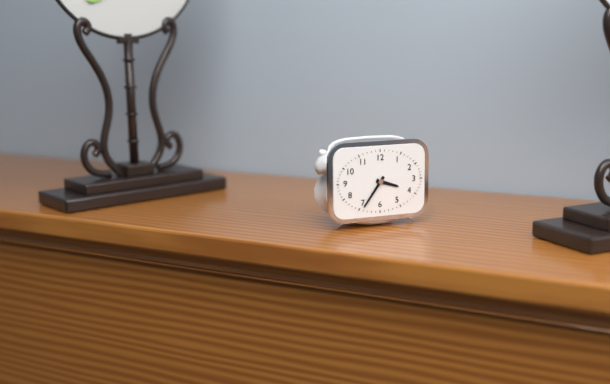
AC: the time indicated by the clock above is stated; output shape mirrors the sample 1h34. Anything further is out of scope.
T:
3h36
